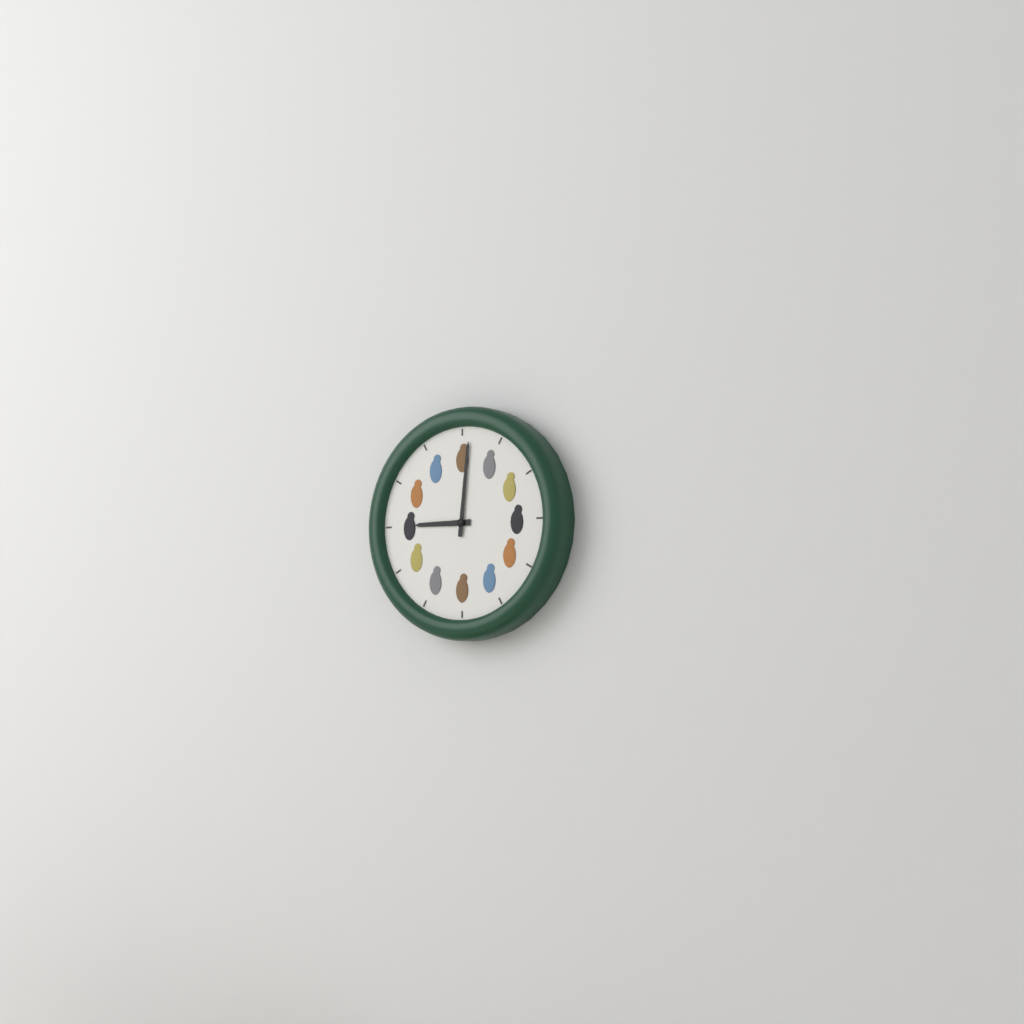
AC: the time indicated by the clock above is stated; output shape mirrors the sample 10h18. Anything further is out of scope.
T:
9h01
